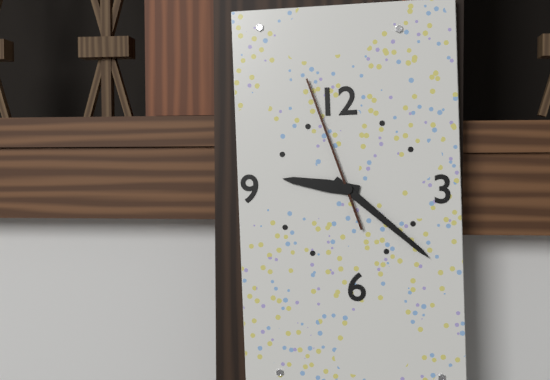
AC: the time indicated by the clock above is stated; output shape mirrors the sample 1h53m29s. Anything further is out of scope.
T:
9h22m57s
